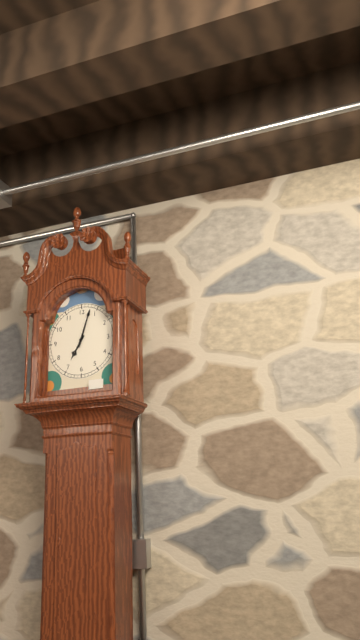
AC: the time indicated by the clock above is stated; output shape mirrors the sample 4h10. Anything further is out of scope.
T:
7h03
